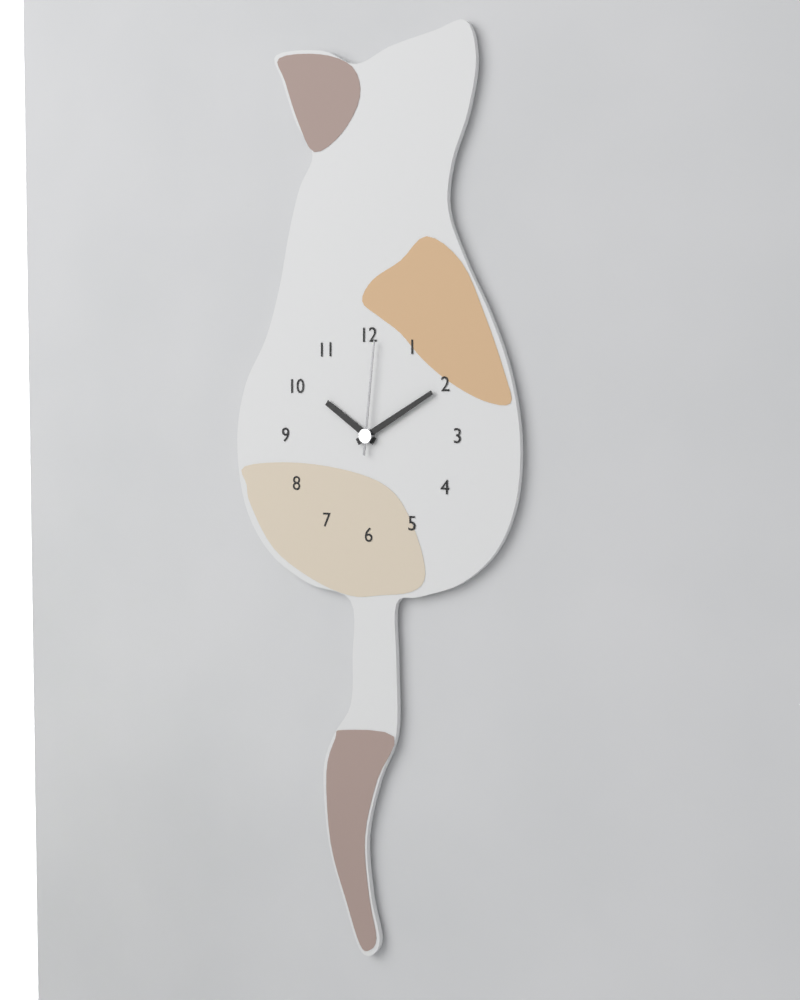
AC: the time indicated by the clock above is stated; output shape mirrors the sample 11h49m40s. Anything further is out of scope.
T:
10h10m01s
